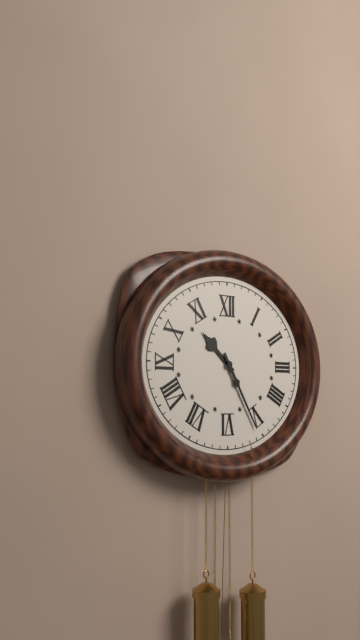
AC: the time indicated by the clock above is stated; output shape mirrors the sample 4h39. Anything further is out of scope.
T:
10h25
